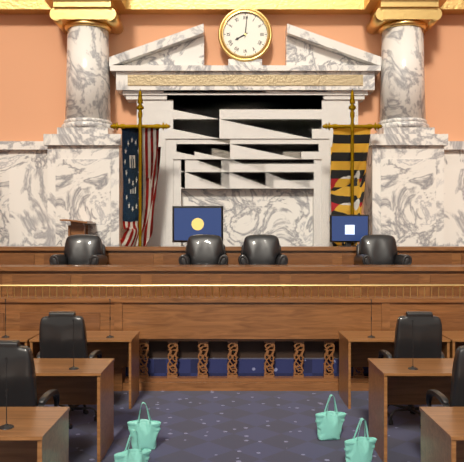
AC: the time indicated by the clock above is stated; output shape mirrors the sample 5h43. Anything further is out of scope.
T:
8h01
